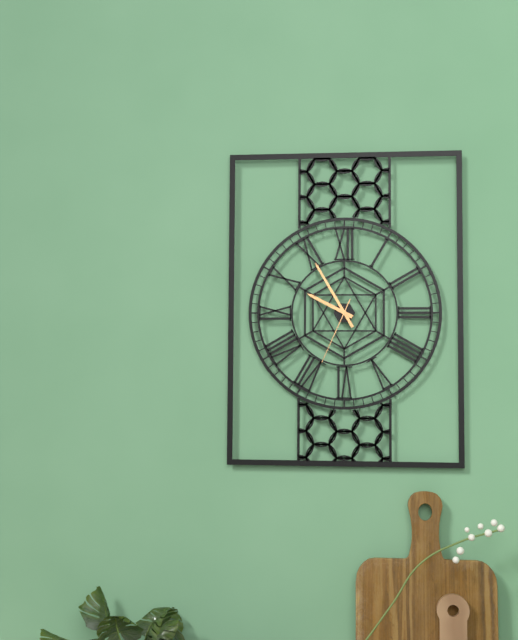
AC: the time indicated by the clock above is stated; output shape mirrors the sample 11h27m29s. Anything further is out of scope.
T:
9h55m34s
